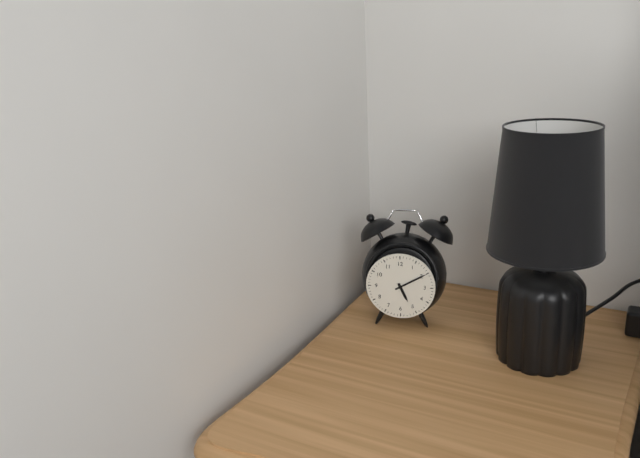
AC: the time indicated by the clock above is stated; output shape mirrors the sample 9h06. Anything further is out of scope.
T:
5h10
